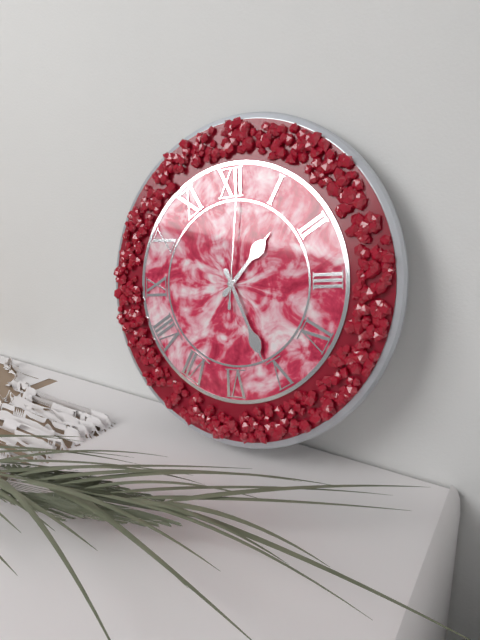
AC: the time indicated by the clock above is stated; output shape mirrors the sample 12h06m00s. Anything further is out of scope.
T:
1h26m01s
